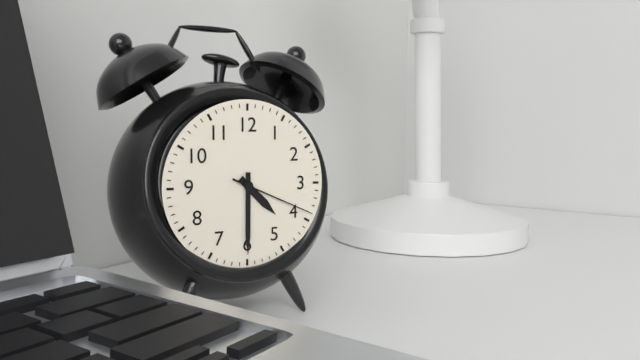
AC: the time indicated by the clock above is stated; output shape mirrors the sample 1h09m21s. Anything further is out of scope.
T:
4h30m19s
